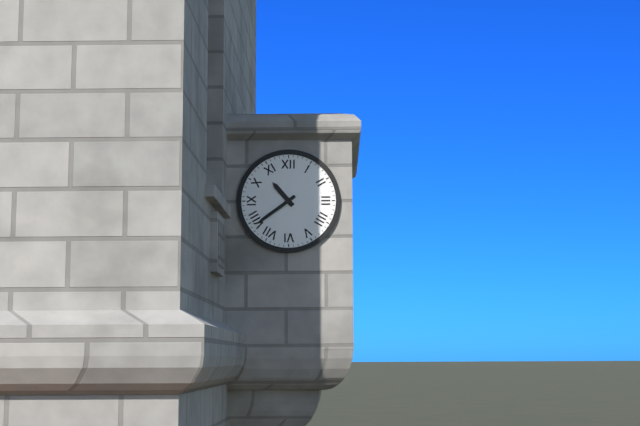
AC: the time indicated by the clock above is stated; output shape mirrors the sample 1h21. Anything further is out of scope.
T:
10h39
